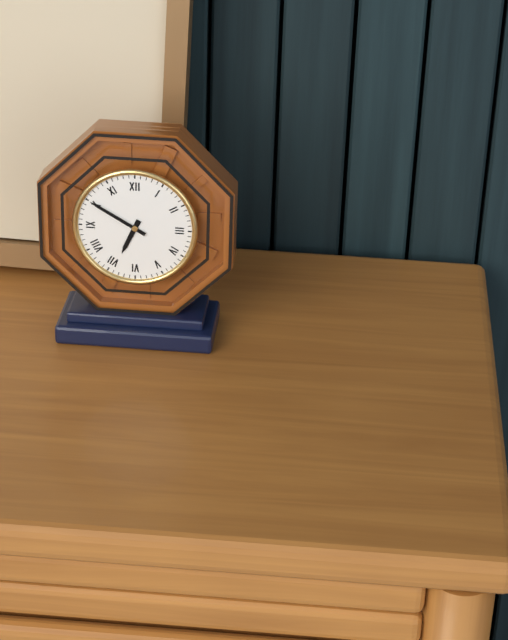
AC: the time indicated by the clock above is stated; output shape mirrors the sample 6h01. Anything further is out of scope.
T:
6h50
